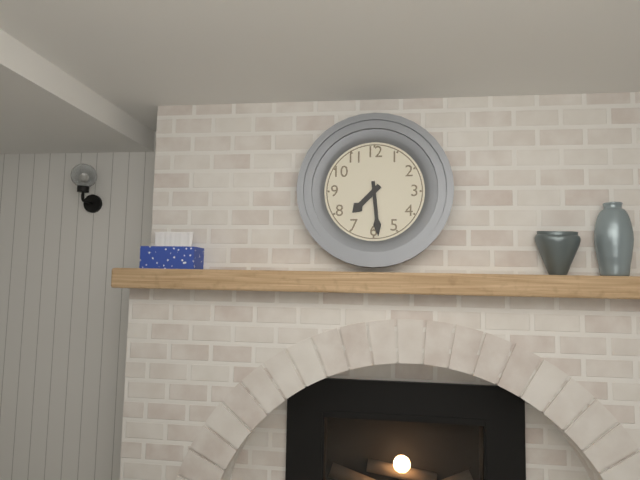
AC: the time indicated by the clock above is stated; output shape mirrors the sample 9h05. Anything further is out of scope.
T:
7h29
